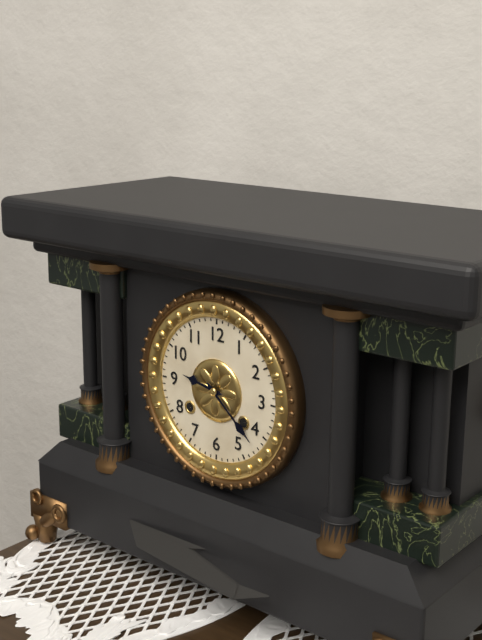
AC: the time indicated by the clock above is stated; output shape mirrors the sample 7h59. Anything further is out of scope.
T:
9h22
